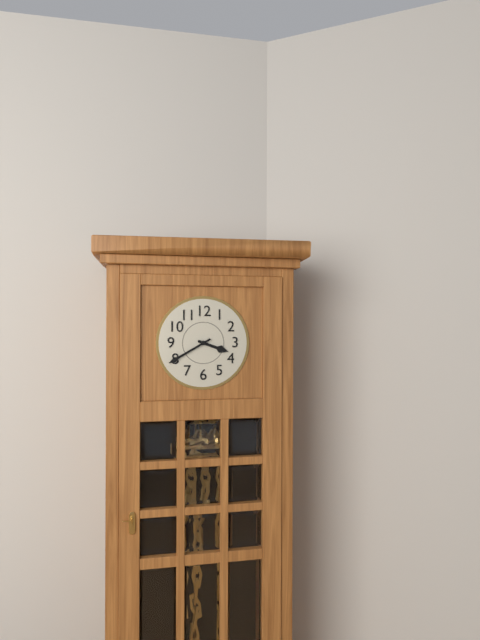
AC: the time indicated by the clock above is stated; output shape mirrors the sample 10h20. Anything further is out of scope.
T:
3h40
